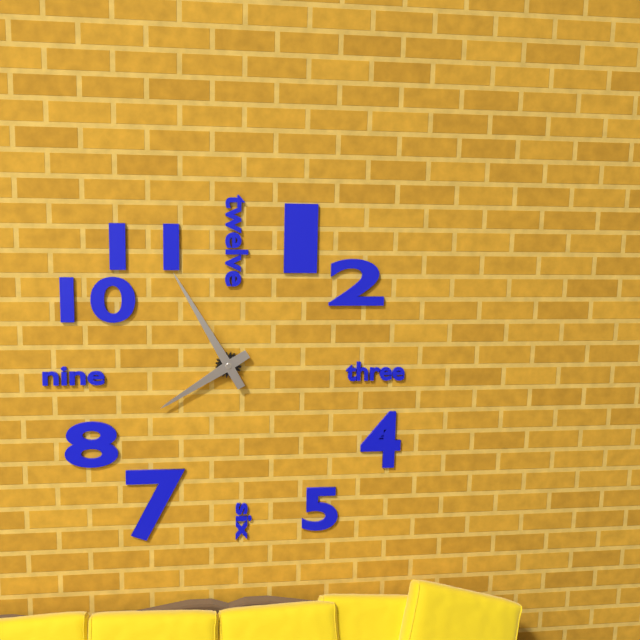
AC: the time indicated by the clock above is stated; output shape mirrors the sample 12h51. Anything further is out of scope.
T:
7h55
